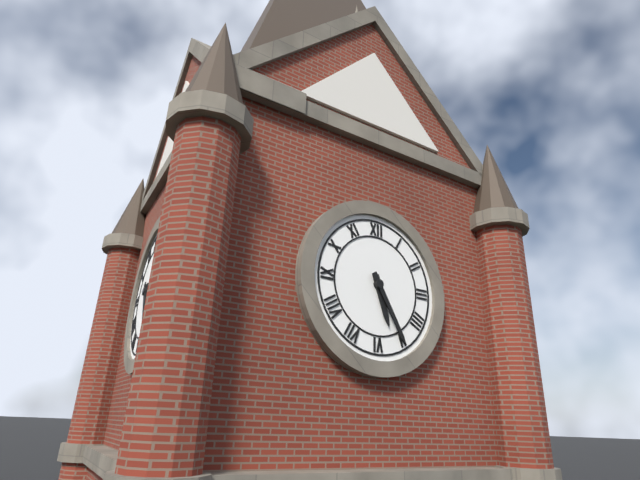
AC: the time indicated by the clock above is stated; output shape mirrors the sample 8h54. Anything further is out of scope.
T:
5h25
